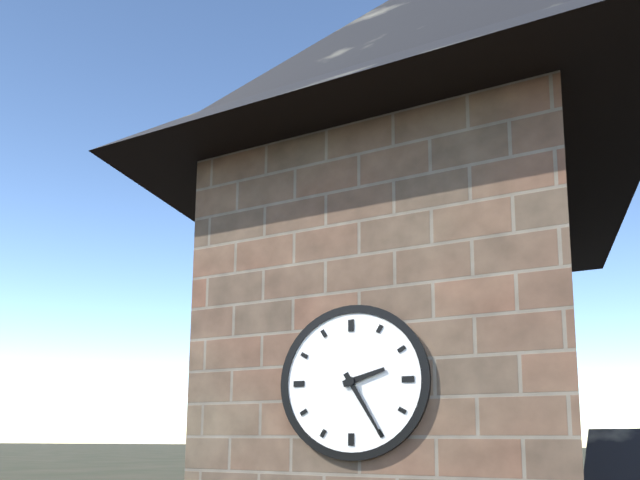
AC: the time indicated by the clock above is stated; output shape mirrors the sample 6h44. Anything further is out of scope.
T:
2h25
